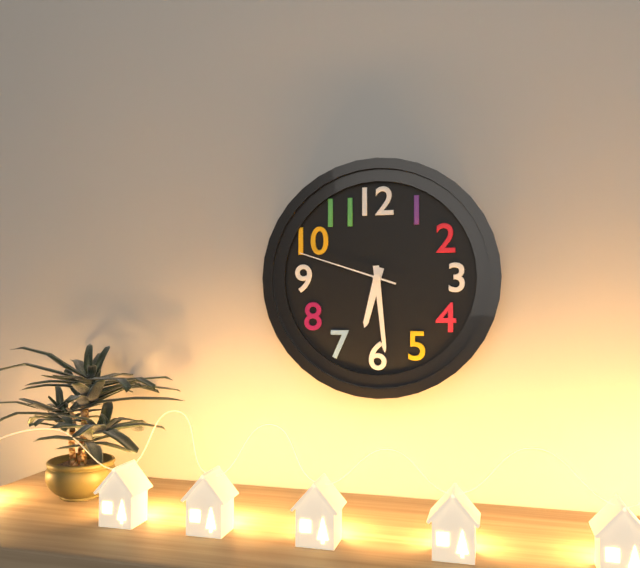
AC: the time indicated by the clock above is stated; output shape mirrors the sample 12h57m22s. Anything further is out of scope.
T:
6h29m48s
